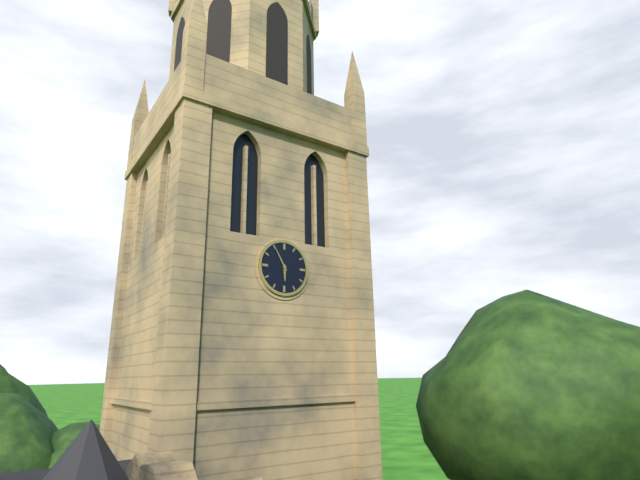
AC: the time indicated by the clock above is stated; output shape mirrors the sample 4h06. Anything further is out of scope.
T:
5h55
